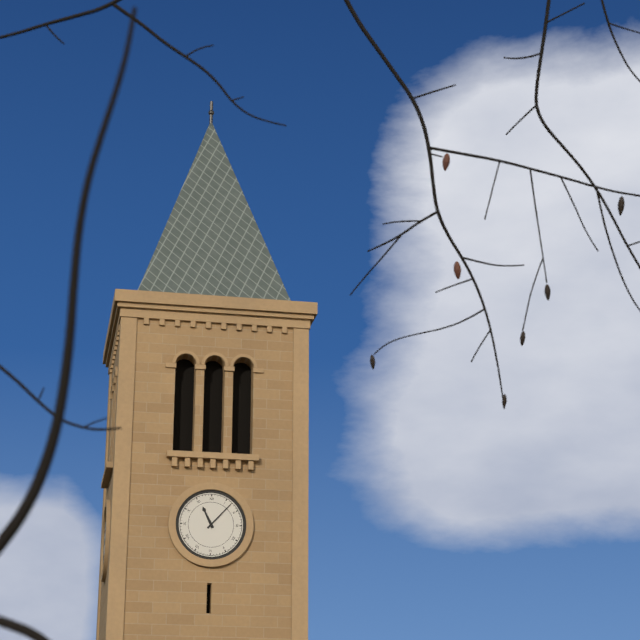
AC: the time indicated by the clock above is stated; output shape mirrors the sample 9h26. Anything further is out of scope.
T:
11h07
